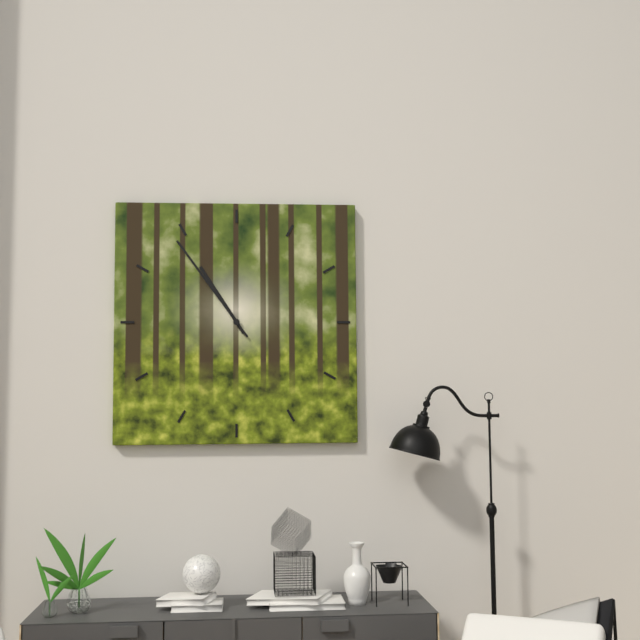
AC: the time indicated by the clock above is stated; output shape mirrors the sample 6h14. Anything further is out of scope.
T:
10h54
